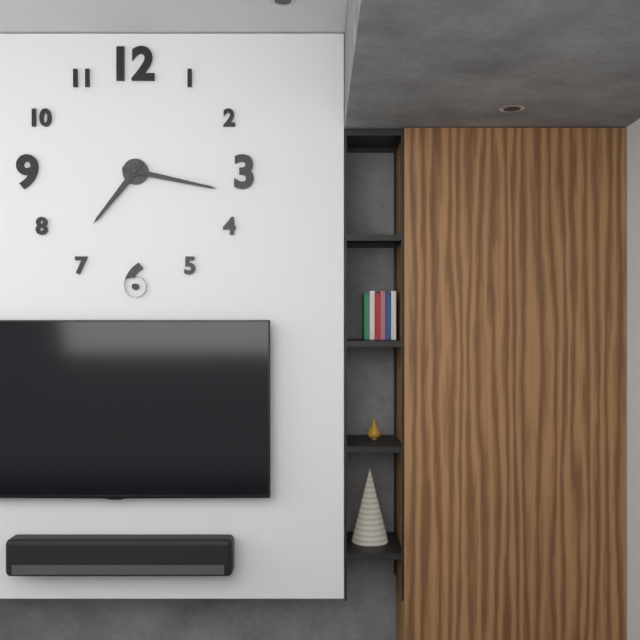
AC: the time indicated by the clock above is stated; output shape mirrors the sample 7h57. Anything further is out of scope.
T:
7h17
